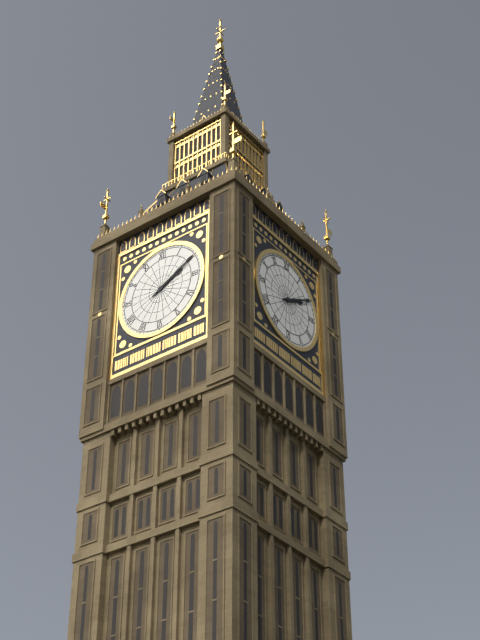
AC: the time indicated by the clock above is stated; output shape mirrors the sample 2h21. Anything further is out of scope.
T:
2h10
